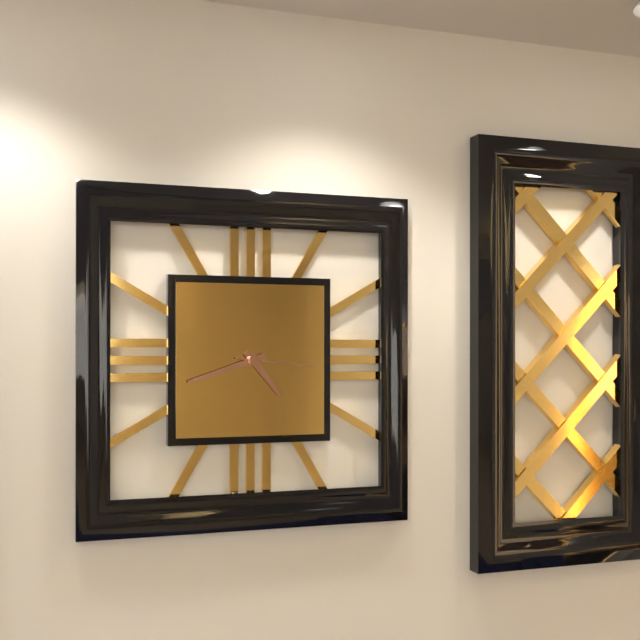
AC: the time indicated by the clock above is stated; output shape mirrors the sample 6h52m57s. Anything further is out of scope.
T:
4h42m16s
